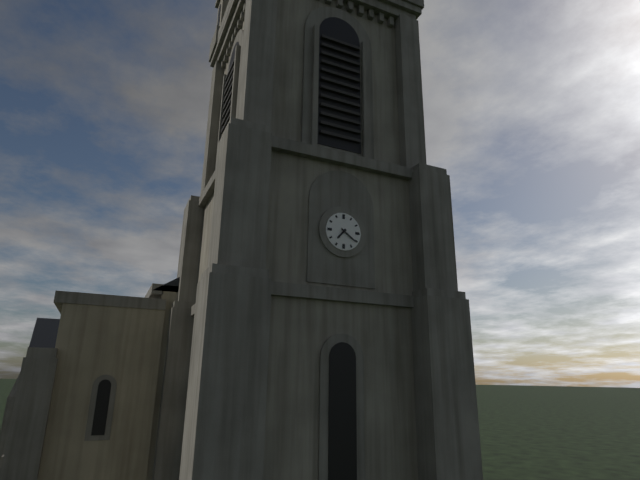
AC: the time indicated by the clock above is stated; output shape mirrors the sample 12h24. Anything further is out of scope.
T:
7h21
